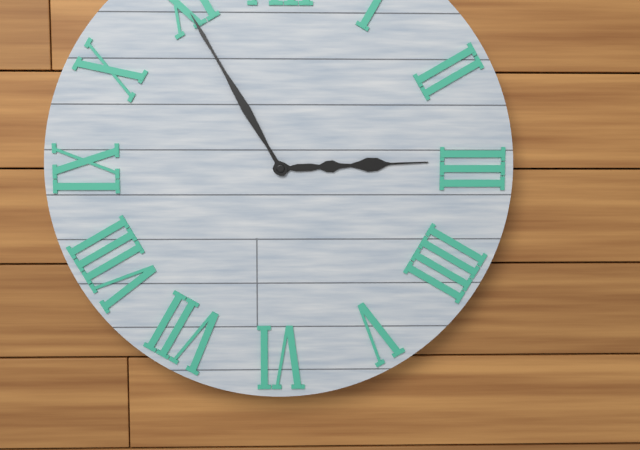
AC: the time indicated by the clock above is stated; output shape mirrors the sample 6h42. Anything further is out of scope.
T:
2h55
